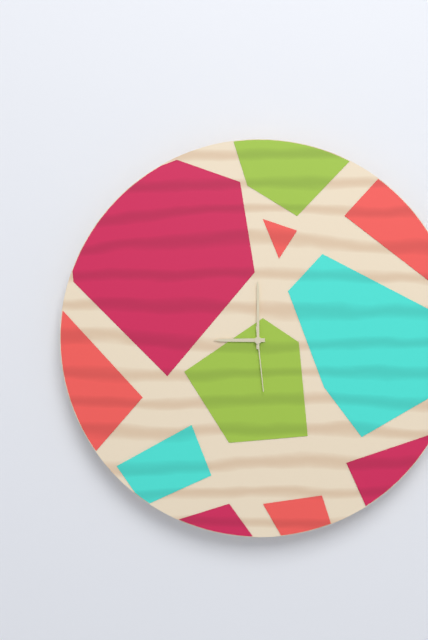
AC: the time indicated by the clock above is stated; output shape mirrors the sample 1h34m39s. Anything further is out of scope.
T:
9h00m29s
